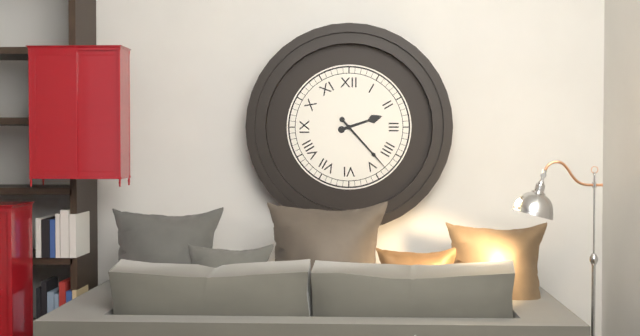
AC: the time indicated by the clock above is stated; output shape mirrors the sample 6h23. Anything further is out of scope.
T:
2h23
